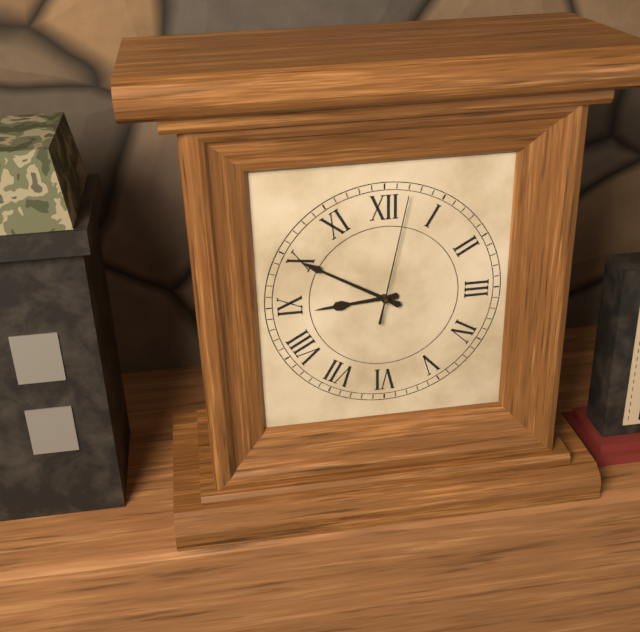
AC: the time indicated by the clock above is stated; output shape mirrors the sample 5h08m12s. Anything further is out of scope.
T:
8h50m02s
